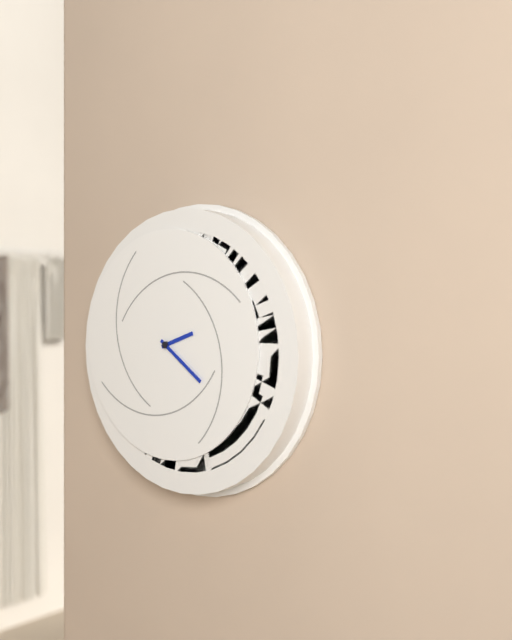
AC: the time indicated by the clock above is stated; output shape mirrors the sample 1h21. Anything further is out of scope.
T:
2h21
